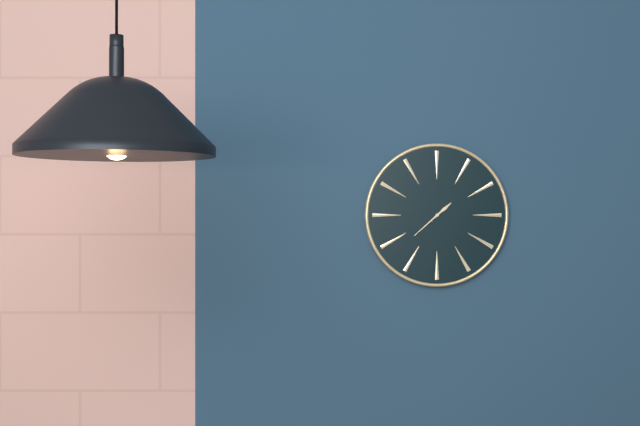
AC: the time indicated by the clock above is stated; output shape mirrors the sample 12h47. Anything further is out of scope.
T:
1h38
